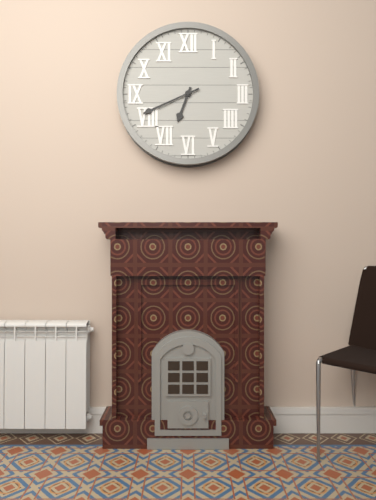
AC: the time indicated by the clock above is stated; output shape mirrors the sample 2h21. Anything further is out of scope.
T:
6h41
